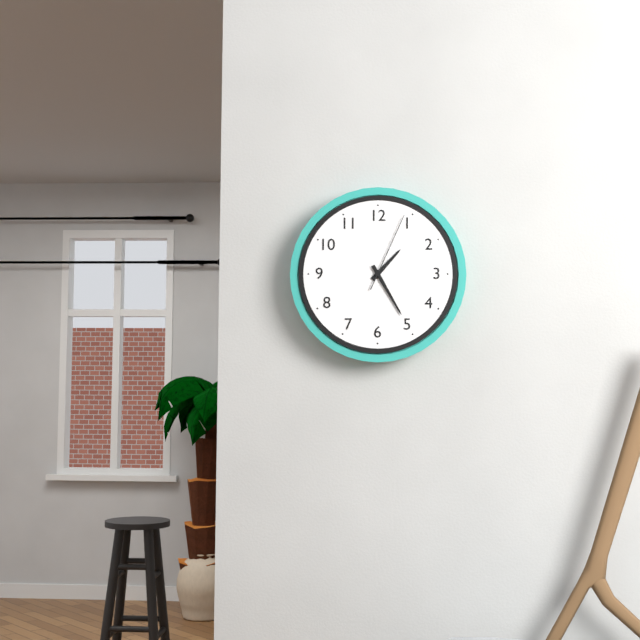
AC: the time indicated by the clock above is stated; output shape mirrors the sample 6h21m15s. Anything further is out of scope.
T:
1h25m04s
